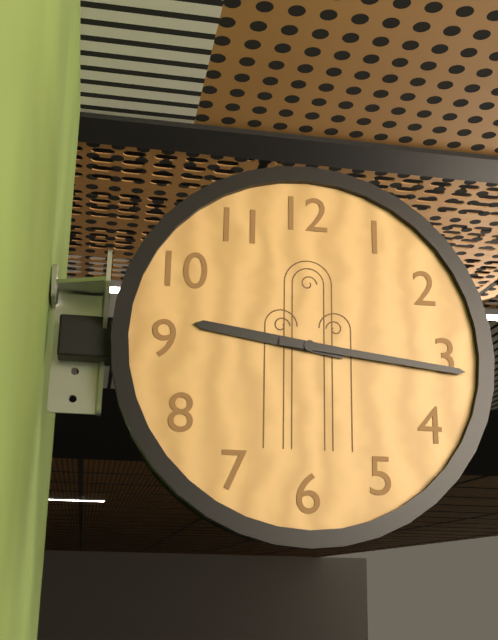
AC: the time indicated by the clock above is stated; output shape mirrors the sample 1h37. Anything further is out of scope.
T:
9h16
